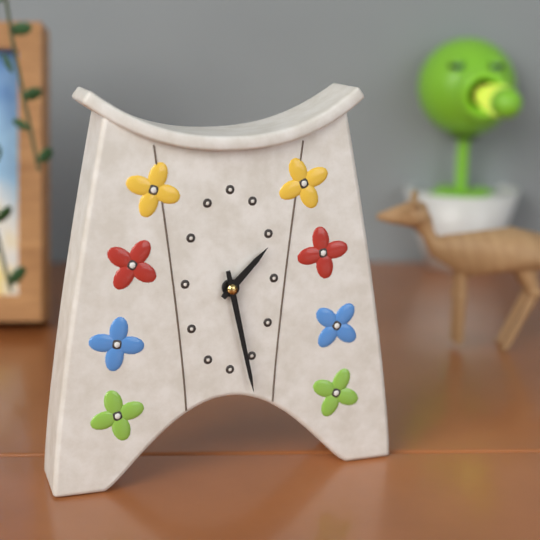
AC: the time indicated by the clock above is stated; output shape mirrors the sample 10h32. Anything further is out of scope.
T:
1h28
